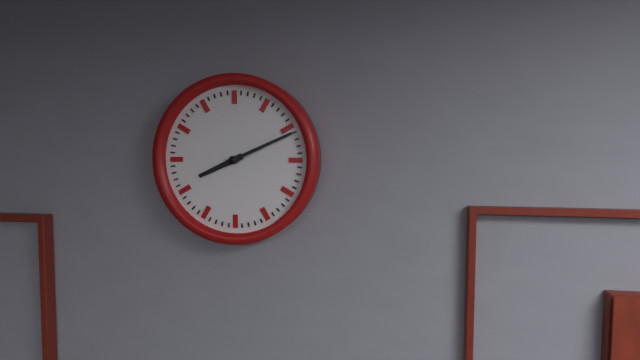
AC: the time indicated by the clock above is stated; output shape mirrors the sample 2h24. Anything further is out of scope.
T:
8h11
